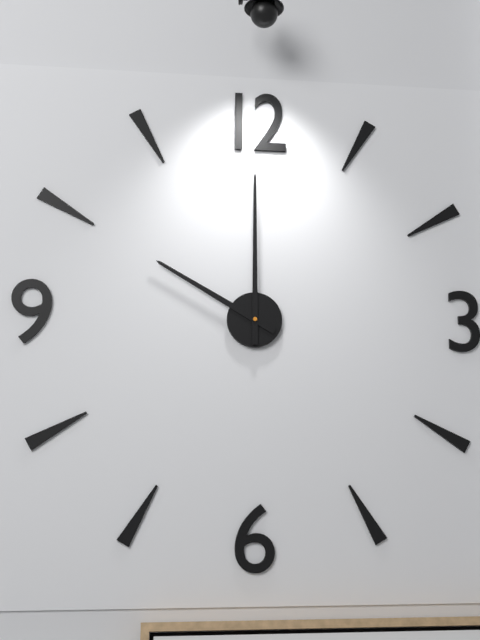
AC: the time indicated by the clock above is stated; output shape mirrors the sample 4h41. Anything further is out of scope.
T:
10h00
